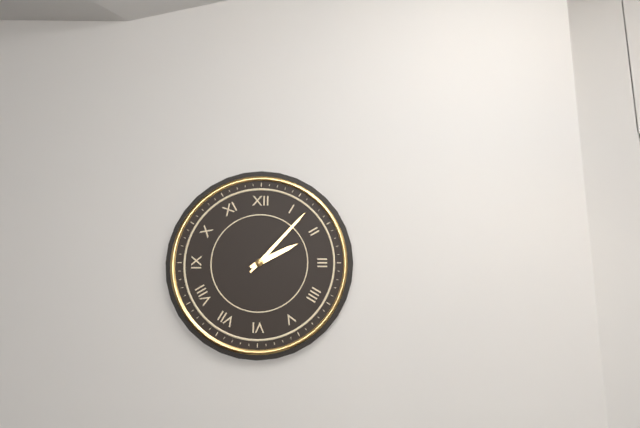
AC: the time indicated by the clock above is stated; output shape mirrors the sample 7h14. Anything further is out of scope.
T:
2h07
